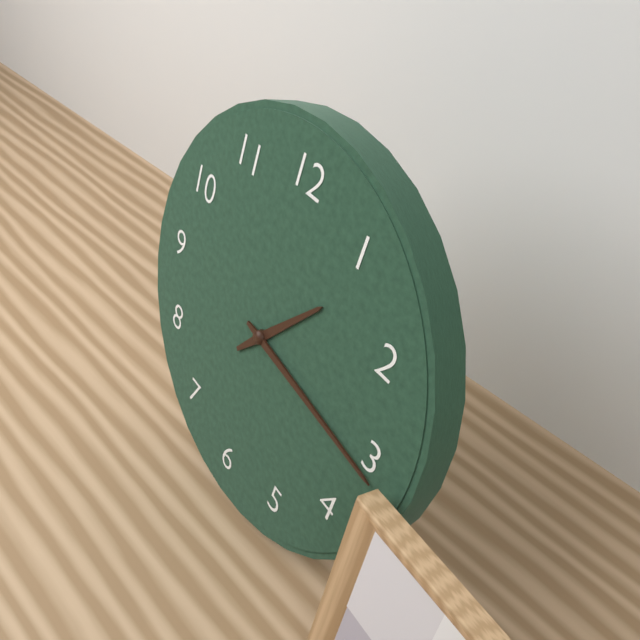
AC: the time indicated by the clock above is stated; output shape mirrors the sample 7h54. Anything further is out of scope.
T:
1h16
